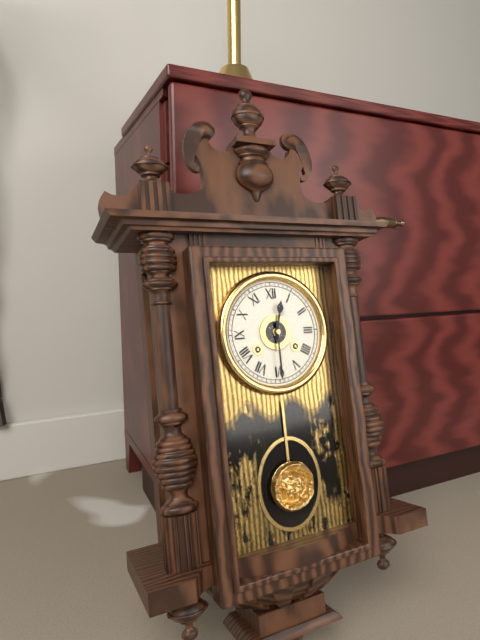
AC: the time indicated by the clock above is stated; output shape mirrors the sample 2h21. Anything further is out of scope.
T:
12h30
